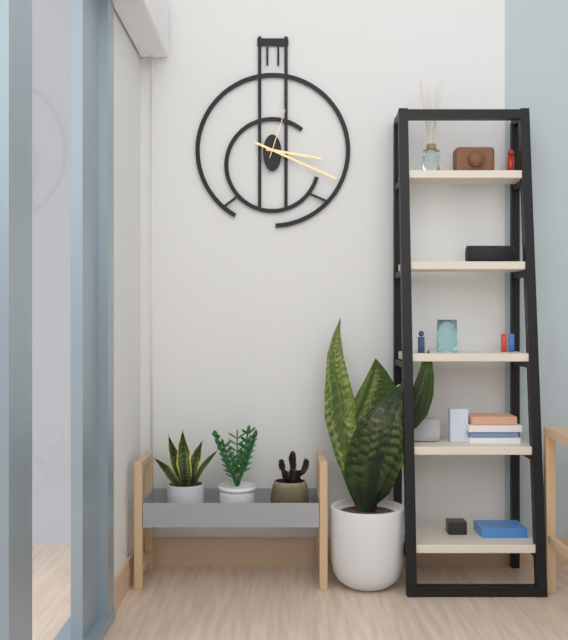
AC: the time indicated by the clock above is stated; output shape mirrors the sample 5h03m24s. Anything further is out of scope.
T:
3h19m03s
